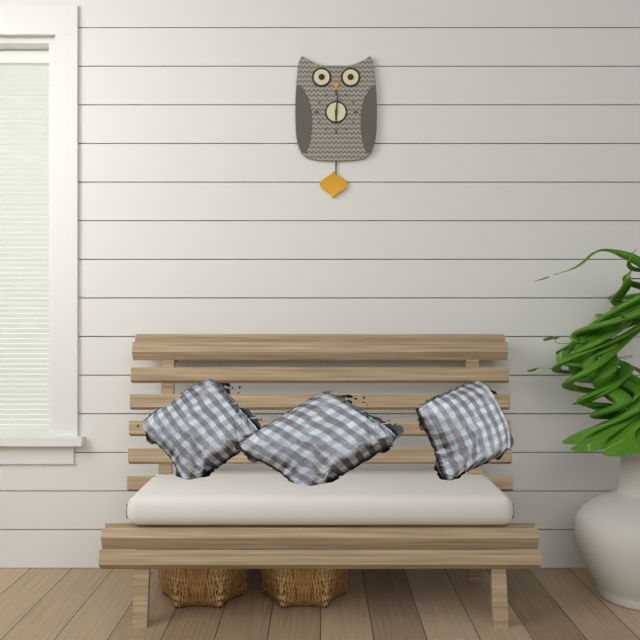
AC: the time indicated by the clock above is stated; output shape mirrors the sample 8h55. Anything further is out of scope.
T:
6h01
